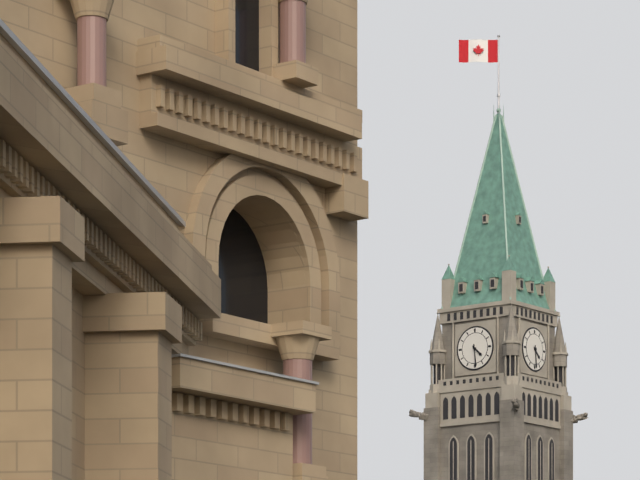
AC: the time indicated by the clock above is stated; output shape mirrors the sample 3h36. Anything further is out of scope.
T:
4h29
